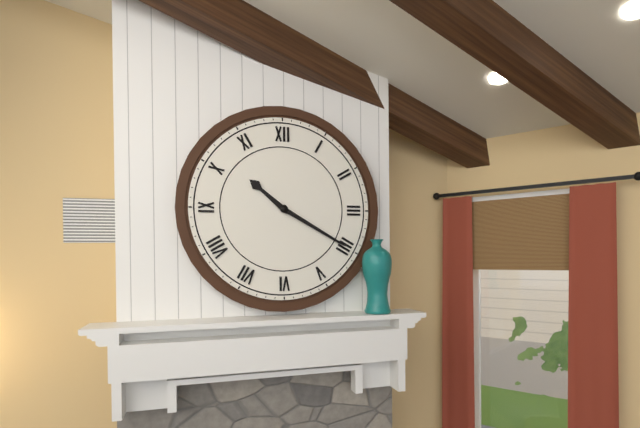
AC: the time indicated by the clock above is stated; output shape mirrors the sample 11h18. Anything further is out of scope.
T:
10h20
